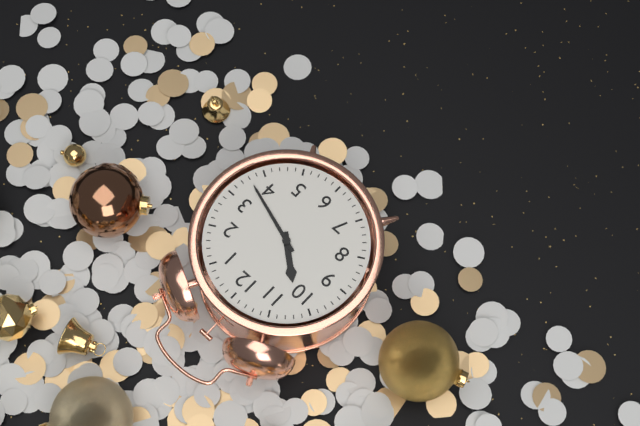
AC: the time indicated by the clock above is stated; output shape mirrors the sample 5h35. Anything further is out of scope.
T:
10h18
